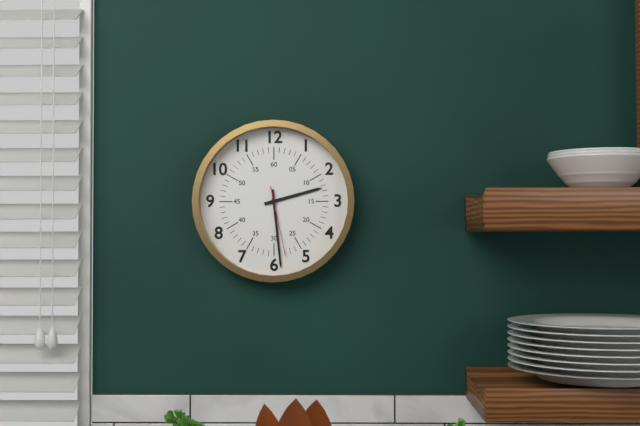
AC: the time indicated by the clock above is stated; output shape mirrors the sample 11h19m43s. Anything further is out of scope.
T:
2h29m28s
